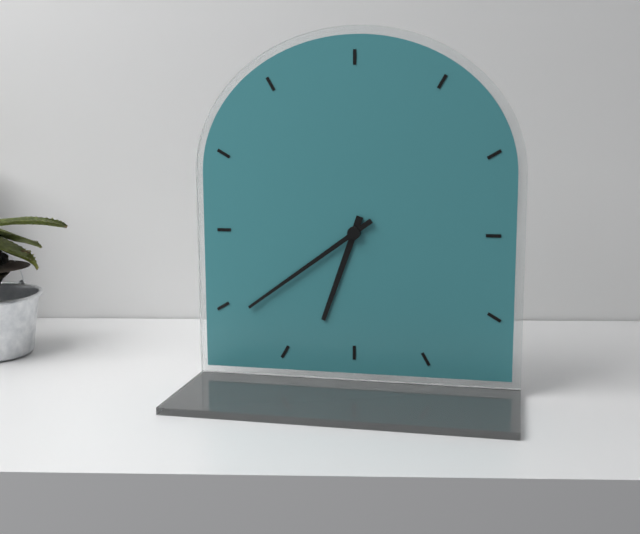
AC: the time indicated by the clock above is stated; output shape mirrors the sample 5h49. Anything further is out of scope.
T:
6h39
